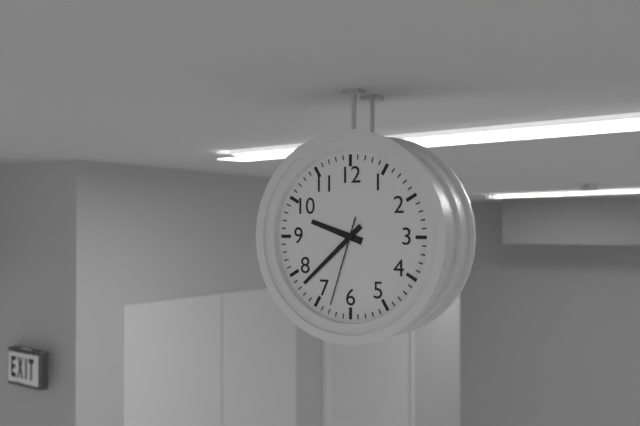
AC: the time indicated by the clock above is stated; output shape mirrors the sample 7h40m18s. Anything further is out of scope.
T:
9h38m33s
